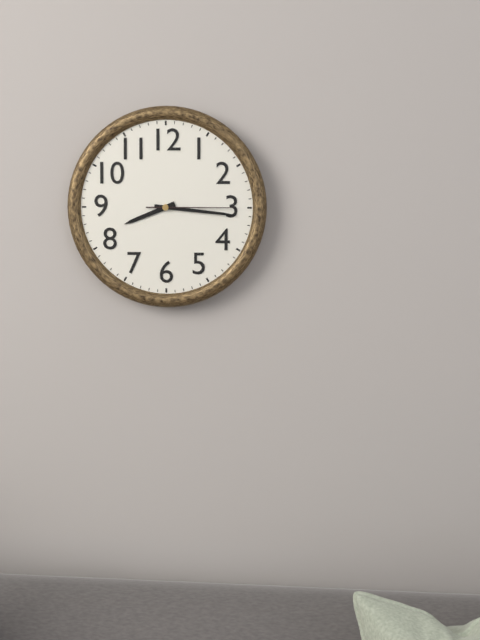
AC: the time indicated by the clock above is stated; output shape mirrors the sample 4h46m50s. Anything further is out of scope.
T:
8h16m15s
